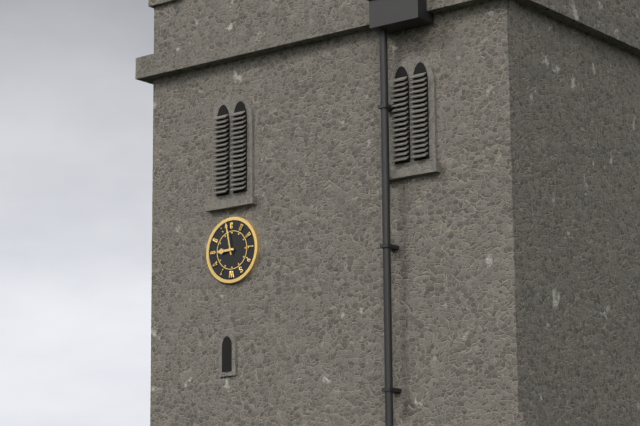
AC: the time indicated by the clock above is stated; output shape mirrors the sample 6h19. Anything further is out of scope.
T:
8h58
